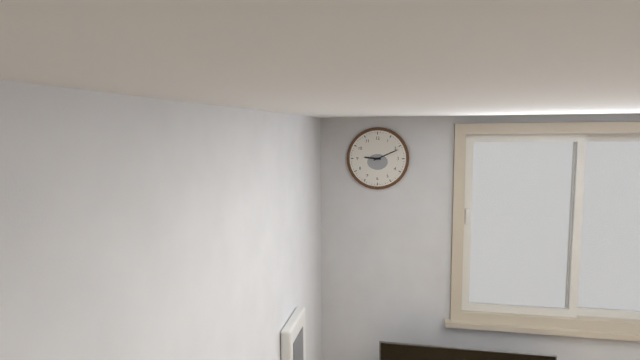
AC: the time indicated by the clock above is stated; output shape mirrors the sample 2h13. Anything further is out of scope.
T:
9h11
